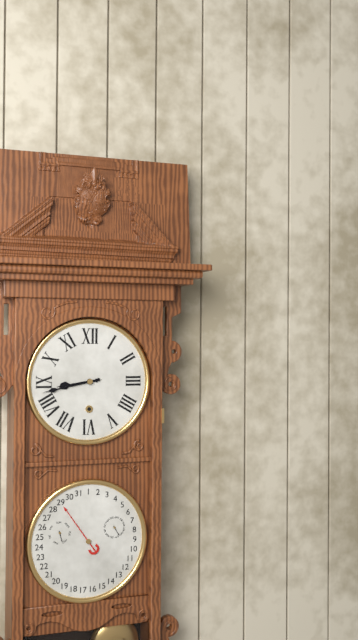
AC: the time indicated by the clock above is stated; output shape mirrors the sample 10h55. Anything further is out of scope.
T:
8h43
